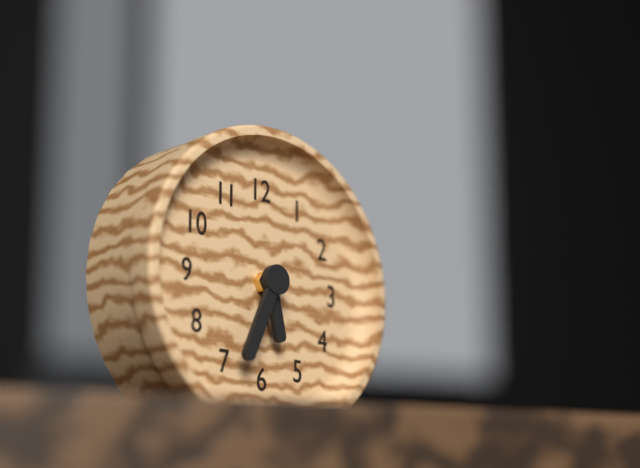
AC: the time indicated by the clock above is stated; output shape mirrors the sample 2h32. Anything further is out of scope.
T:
5h34
